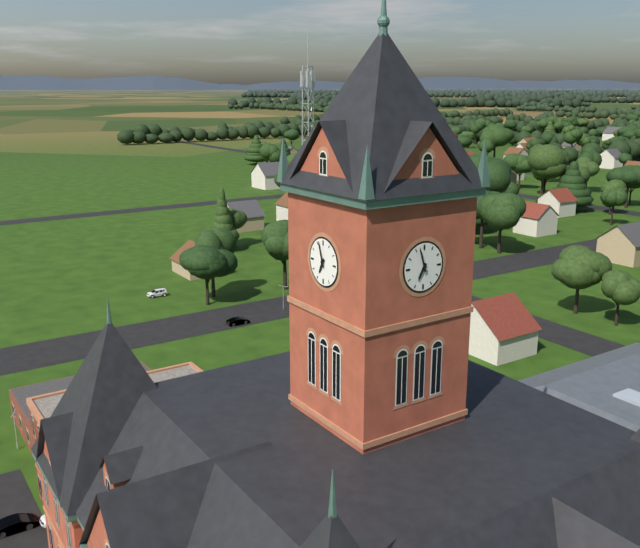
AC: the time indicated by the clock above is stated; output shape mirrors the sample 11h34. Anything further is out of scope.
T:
6h57
